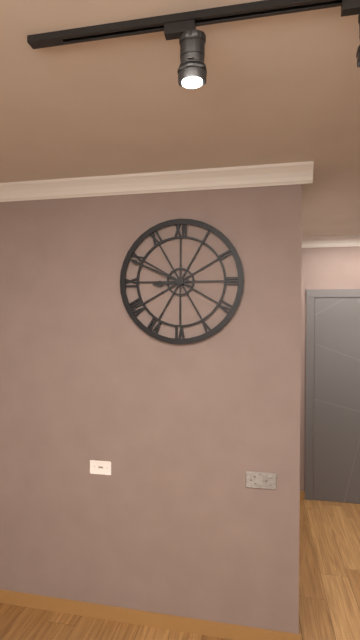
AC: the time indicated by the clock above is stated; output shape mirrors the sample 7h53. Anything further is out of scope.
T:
8h49
